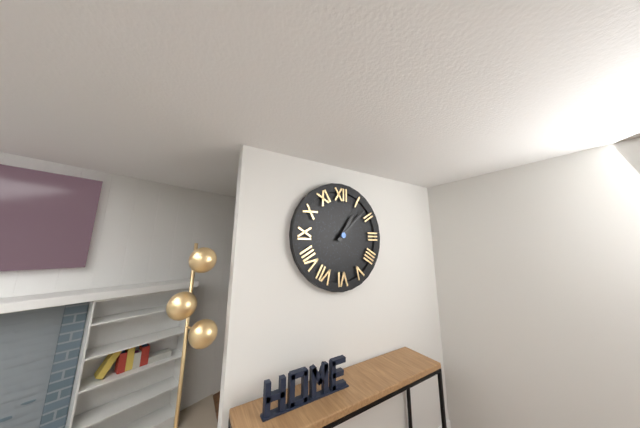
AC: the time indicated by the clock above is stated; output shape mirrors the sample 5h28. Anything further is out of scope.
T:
1h08
